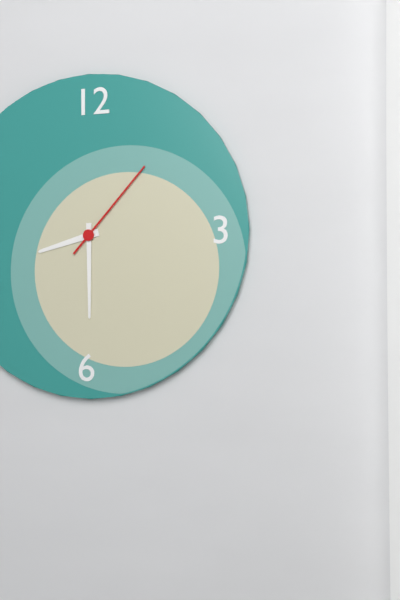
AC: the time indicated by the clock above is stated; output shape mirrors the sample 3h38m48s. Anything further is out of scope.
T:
8h30m07s
